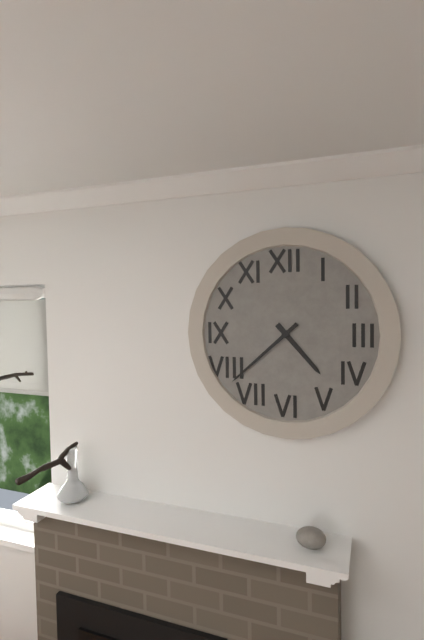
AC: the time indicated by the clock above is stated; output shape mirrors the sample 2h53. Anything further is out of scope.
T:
4h38
